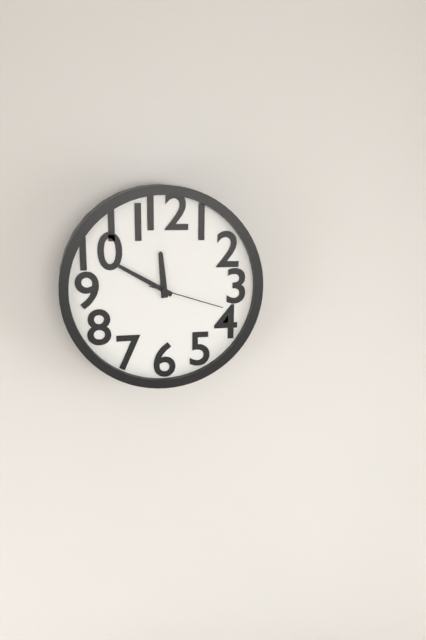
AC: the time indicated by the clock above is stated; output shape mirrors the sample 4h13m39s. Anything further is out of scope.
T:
11h50m18s
